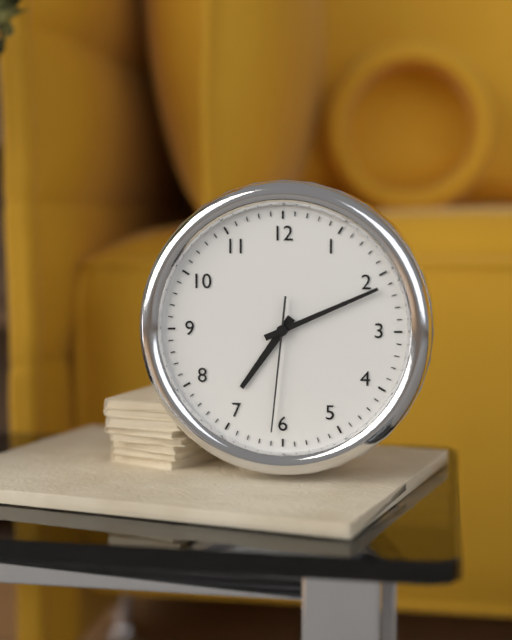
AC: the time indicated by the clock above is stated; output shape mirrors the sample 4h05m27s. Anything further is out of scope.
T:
7h11m31s
